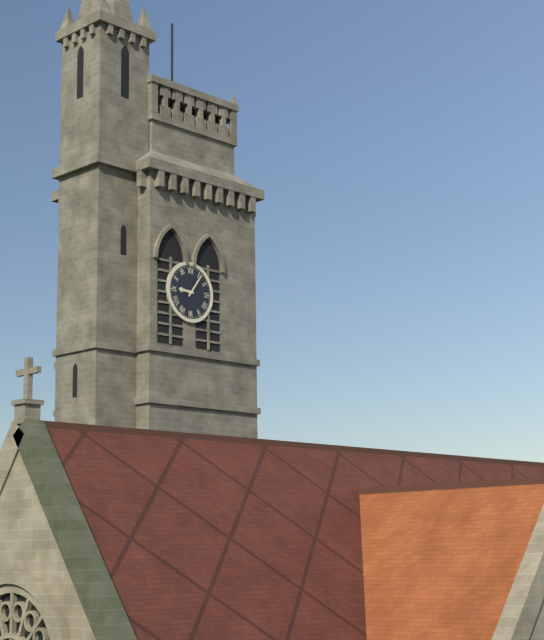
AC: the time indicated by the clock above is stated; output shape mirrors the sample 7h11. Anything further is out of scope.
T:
9h06
